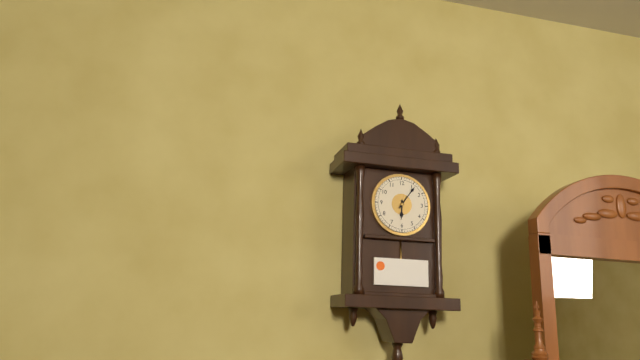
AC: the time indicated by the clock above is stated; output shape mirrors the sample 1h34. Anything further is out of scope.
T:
6h06
